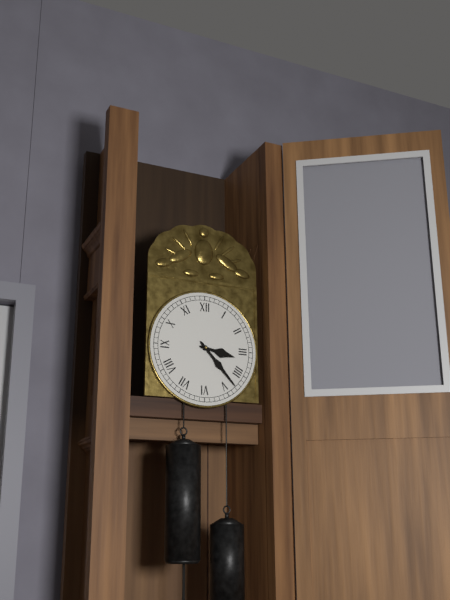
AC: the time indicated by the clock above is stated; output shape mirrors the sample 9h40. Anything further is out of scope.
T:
3h23
